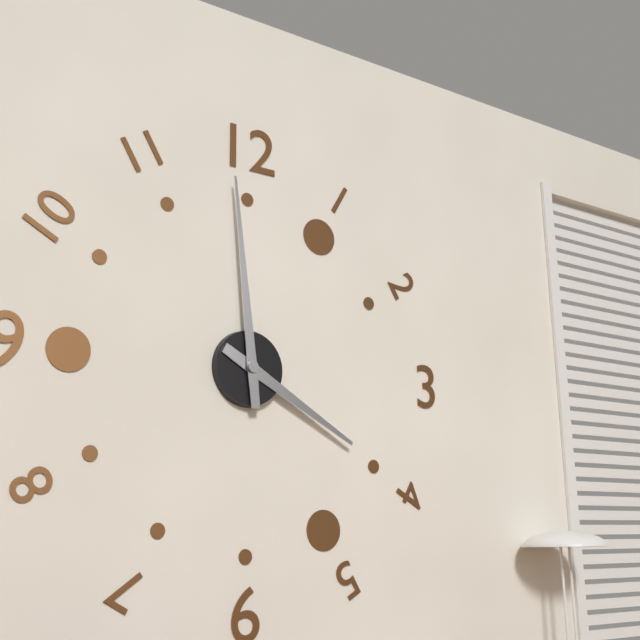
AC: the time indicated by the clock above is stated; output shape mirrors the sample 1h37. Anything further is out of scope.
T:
3h59
